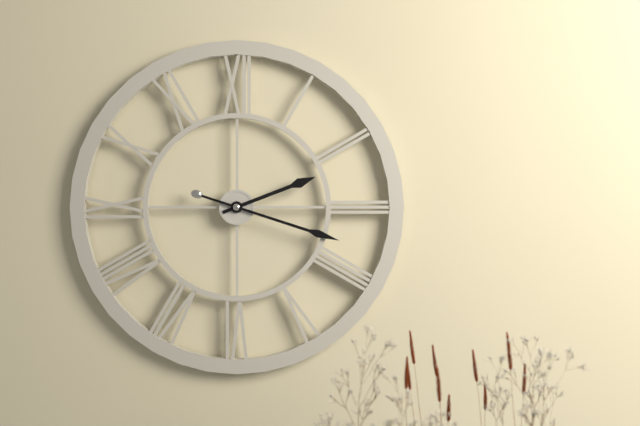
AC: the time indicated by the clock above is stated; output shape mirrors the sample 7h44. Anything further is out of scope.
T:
2h18
